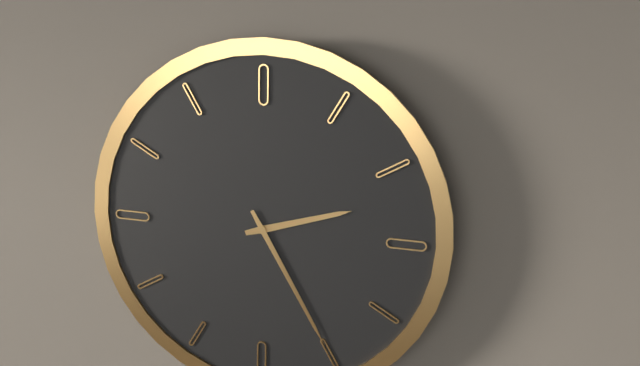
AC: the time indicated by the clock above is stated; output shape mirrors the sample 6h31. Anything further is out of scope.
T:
2h25
